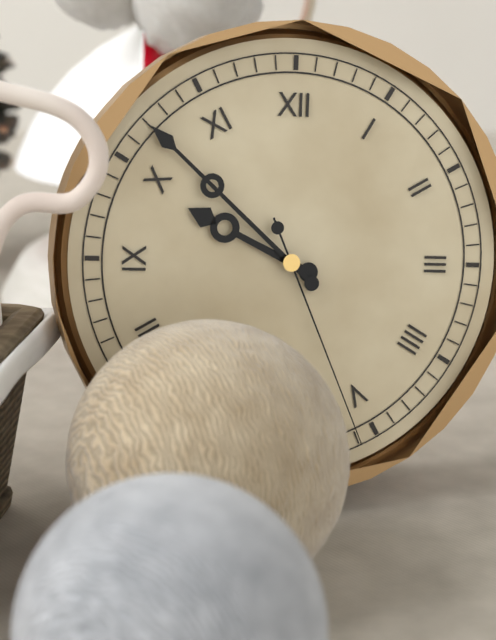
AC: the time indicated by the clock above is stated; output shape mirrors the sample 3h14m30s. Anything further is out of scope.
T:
9h52m26s
